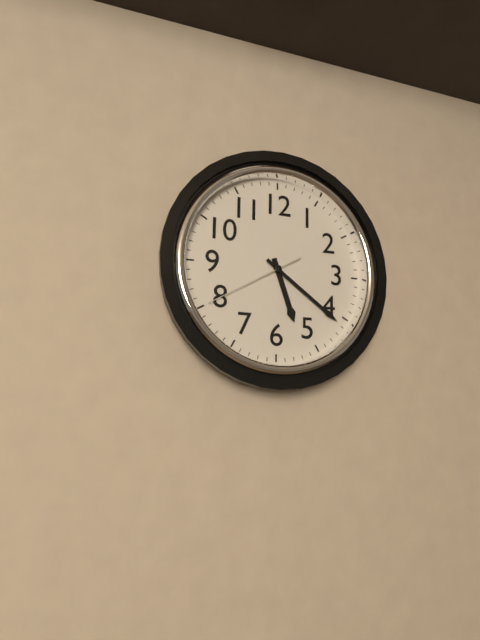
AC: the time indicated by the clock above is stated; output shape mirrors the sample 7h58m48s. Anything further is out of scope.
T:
5h21m40s
